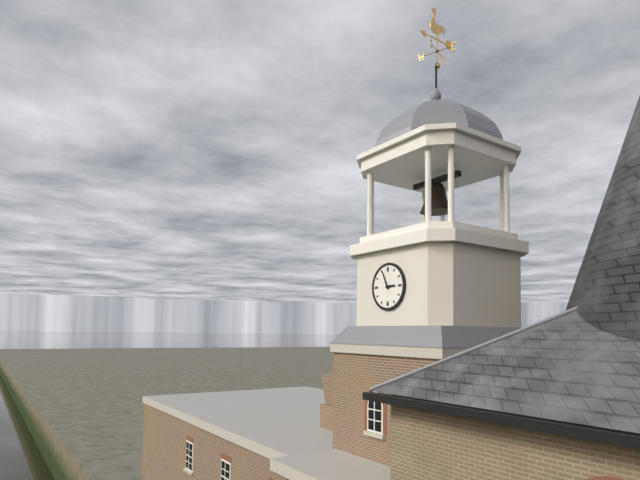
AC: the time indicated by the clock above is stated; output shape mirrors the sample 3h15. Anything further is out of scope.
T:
2h56
